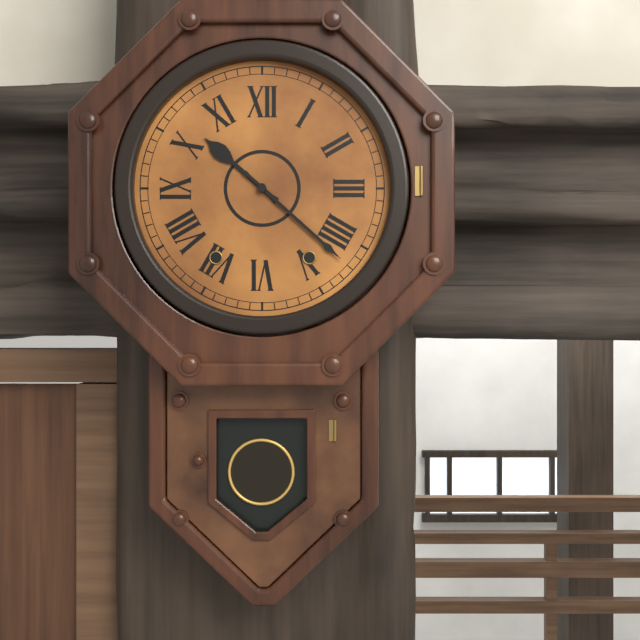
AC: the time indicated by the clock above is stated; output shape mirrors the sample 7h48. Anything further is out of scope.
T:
10h22
